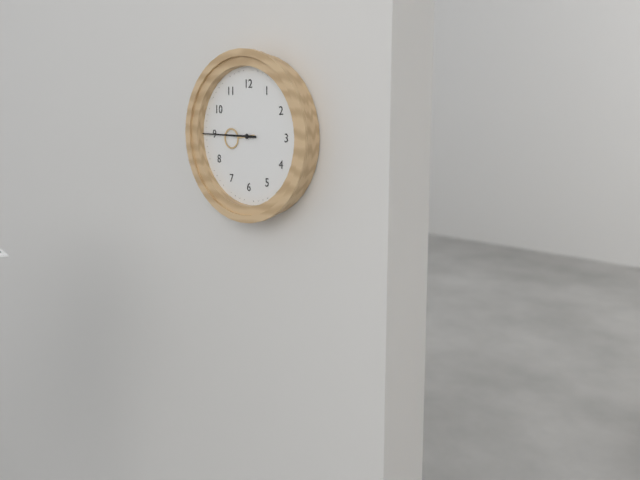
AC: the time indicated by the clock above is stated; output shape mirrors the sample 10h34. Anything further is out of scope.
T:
8h45
